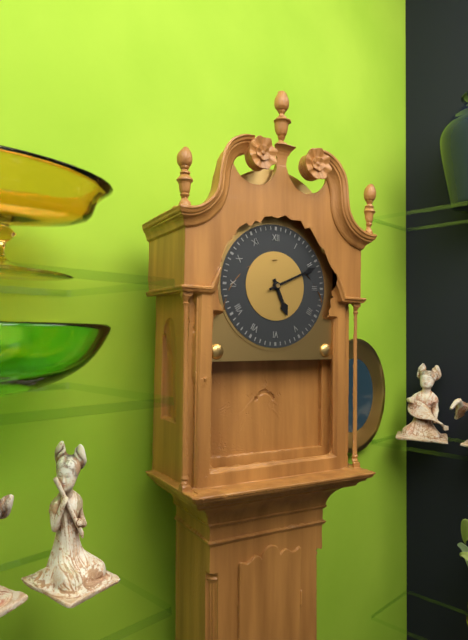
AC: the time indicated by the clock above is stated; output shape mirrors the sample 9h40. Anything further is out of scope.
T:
5h11
